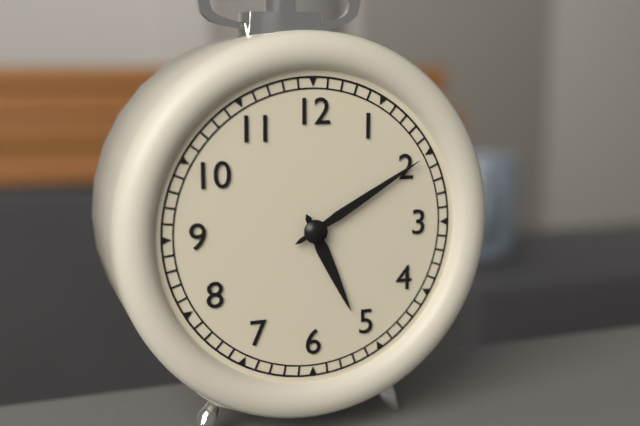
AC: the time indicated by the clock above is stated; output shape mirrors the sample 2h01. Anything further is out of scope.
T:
5h10
